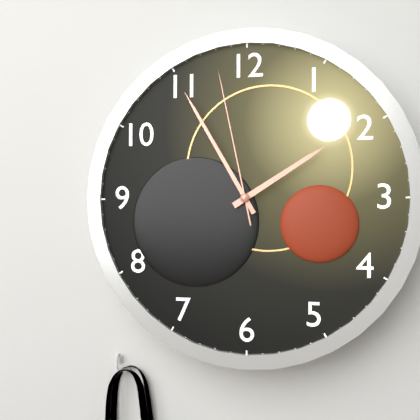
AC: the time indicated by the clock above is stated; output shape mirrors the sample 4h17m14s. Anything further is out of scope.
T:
1h55m58s
